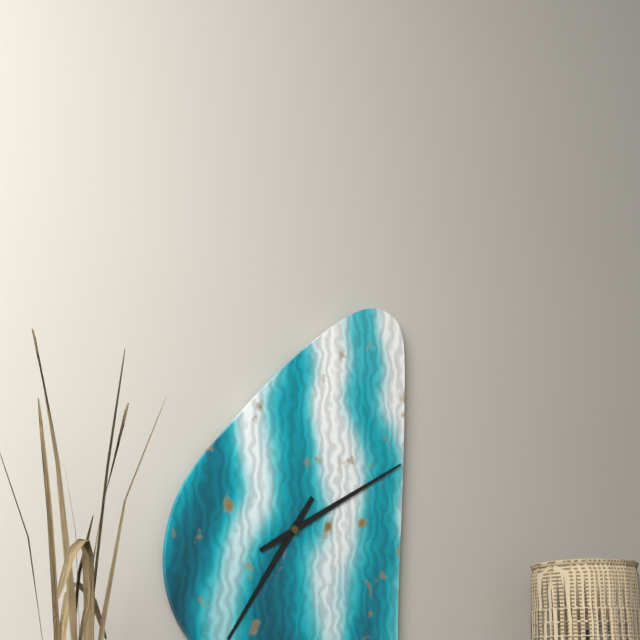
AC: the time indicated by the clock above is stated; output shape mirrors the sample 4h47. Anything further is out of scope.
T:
7h10
